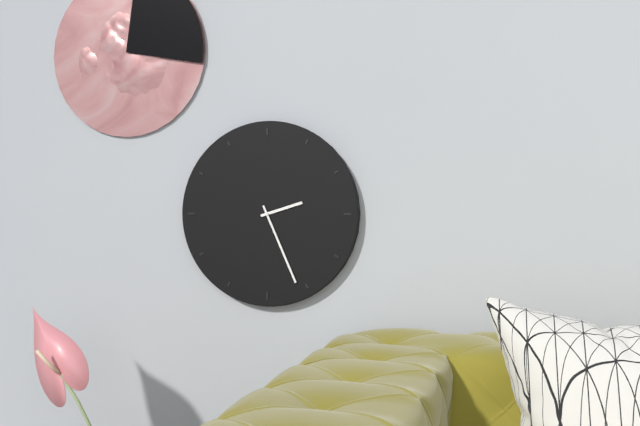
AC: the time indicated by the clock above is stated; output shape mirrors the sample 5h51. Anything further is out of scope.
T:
2h26
